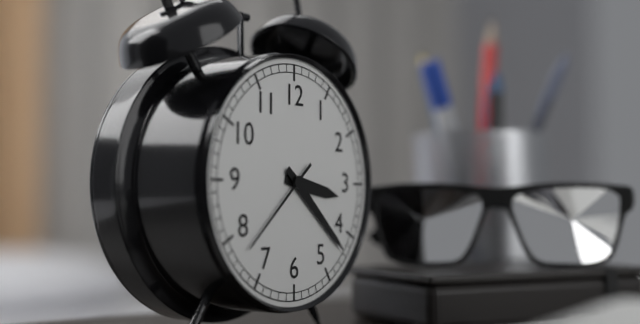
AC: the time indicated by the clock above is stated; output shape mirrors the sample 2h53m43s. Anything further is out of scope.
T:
3h22m38s
